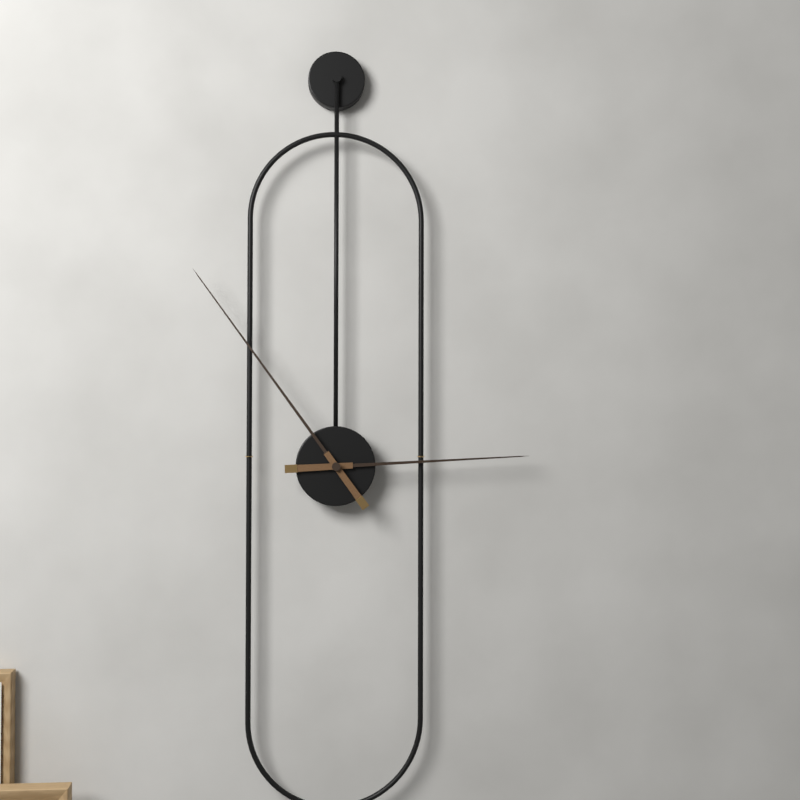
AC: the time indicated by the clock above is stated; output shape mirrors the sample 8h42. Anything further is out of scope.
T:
2h54
